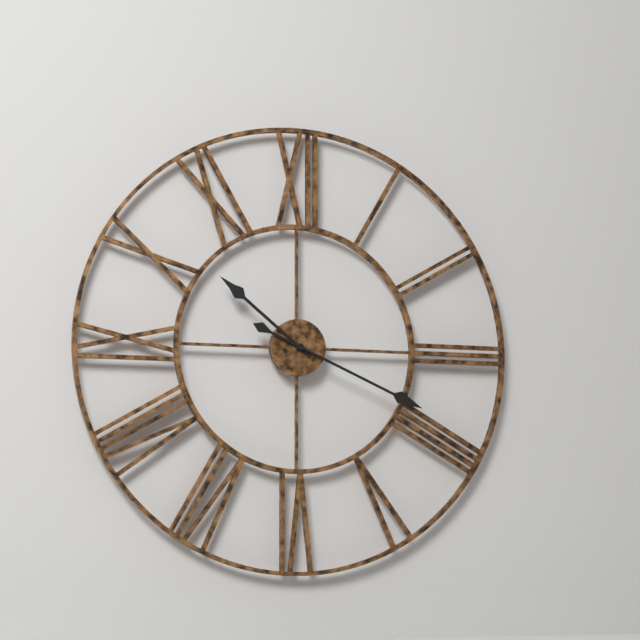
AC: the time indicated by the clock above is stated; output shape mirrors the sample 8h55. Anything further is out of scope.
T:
10h19
